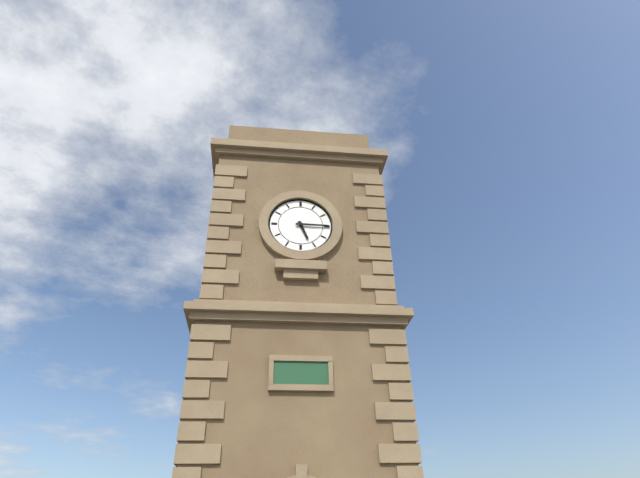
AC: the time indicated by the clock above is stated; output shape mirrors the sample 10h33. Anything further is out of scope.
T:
5h15
